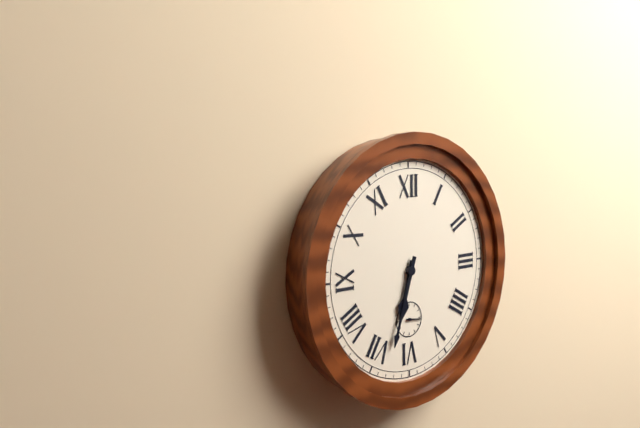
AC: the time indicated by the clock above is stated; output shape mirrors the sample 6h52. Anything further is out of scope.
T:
6h33
